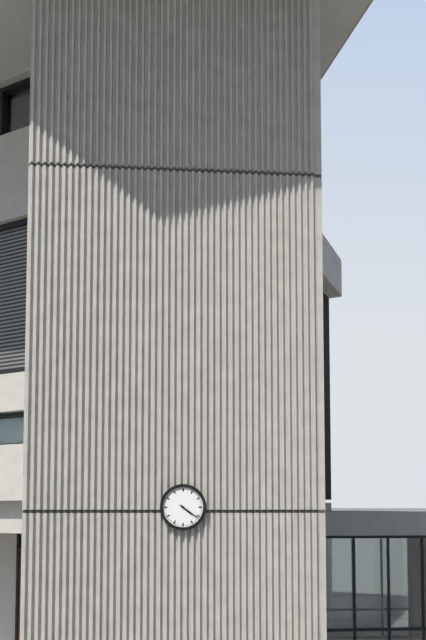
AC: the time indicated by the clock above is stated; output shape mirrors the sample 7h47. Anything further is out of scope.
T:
4h21
